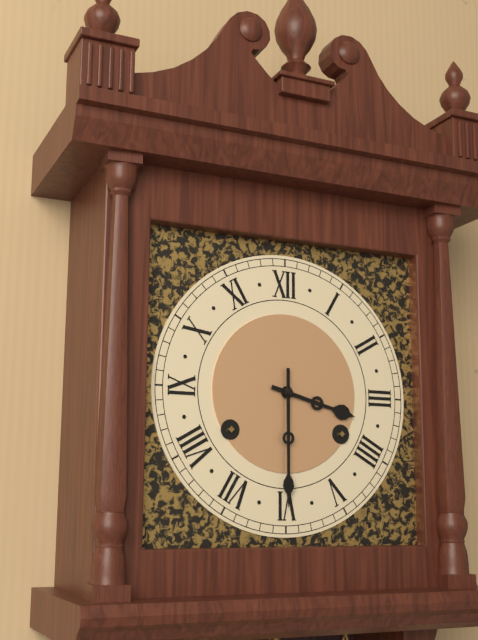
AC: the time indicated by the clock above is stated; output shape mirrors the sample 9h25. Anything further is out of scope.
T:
3h30
